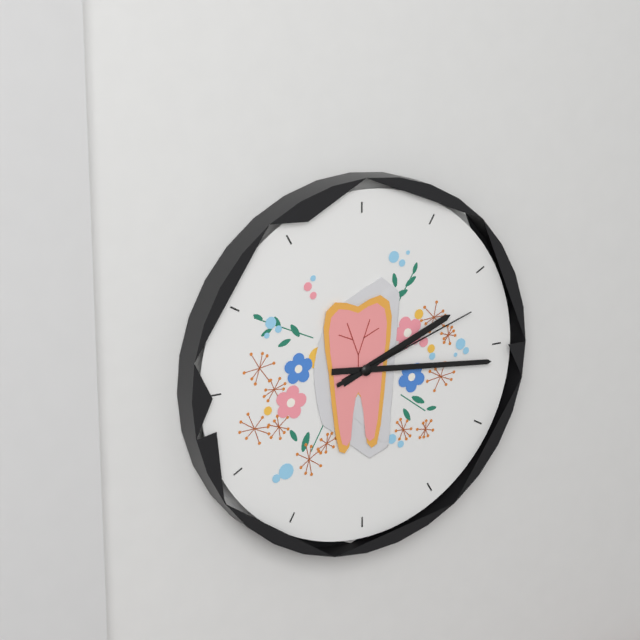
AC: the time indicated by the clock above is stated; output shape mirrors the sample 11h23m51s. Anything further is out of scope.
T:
2h16m12s
